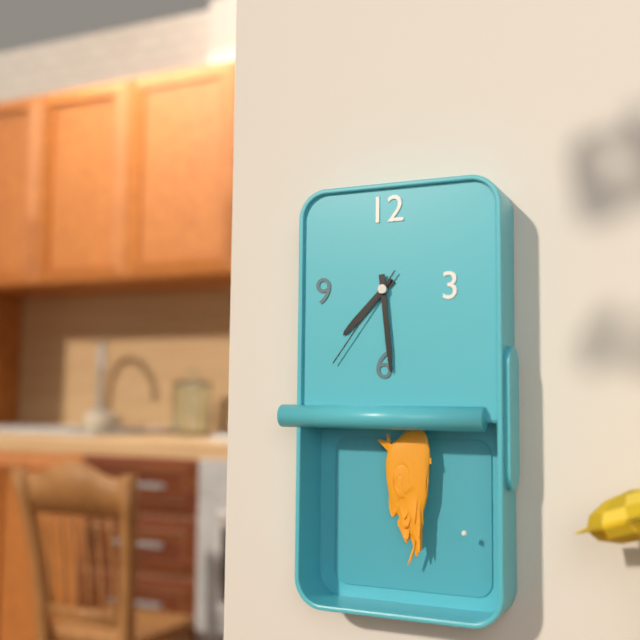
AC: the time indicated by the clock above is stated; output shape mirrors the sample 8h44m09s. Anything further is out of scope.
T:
7h29m36s
